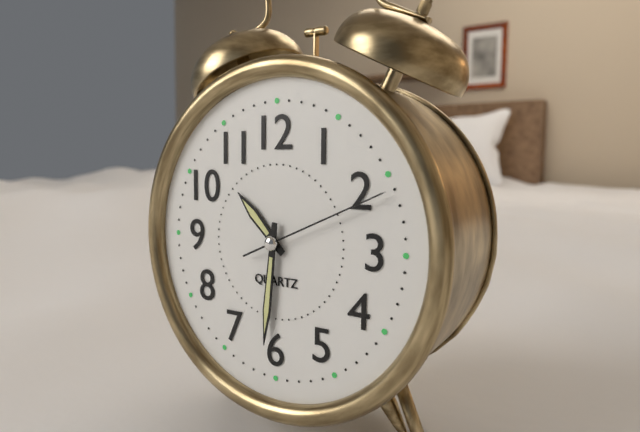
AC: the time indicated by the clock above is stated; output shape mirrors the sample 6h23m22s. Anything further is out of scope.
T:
10h31m11s
